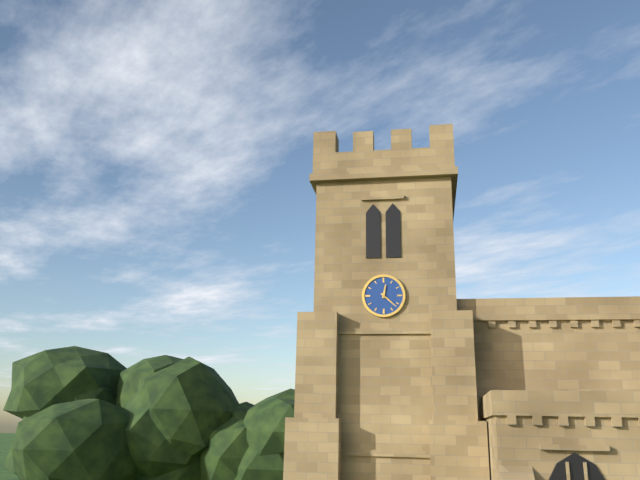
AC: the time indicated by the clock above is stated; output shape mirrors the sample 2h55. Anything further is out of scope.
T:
12h22
